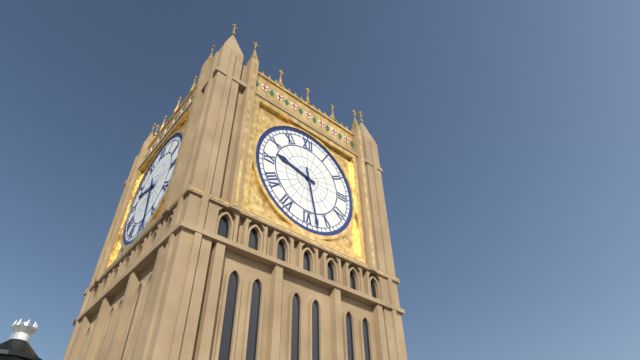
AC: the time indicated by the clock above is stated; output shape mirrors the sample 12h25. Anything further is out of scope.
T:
9h28
